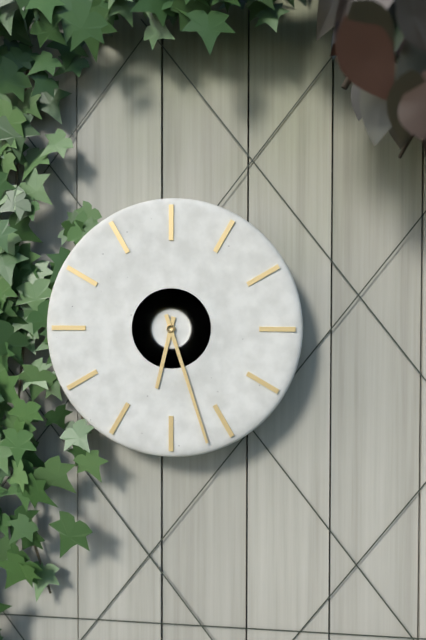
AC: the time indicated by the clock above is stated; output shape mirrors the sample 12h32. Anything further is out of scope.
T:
6h27
